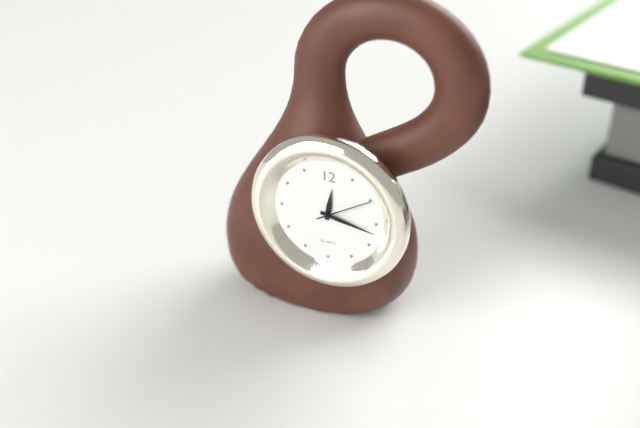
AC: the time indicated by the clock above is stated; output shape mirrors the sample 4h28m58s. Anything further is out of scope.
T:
12h17m10s
